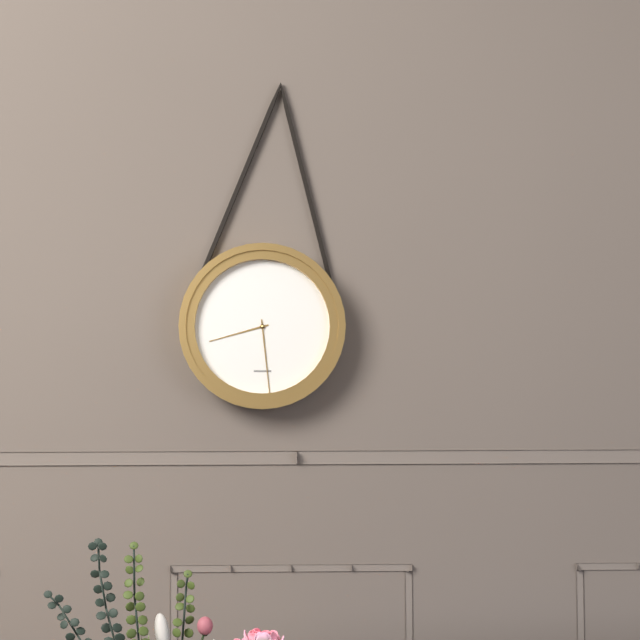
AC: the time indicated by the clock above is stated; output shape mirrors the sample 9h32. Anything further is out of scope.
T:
8h29
